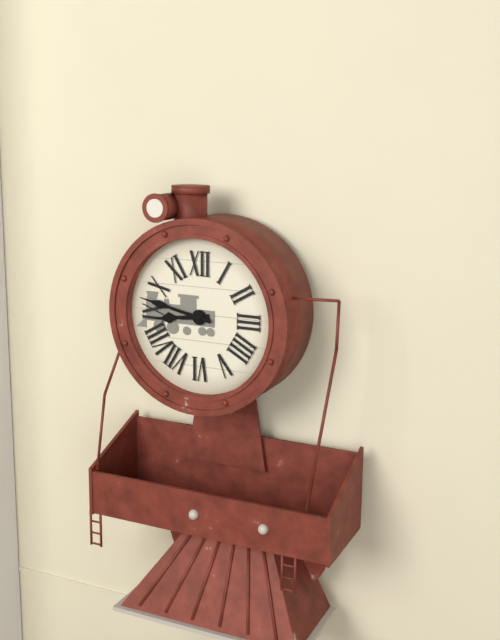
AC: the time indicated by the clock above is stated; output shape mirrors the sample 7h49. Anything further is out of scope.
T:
8h47
